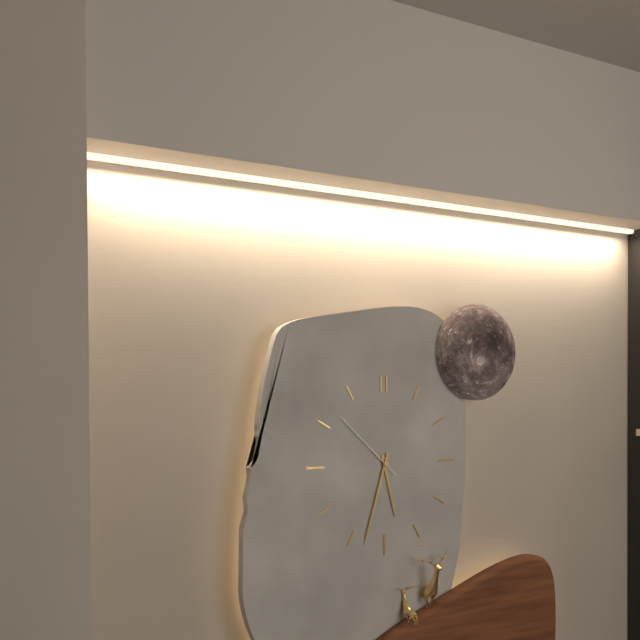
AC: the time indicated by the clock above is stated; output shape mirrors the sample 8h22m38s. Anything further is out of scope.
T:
5h33m52s
